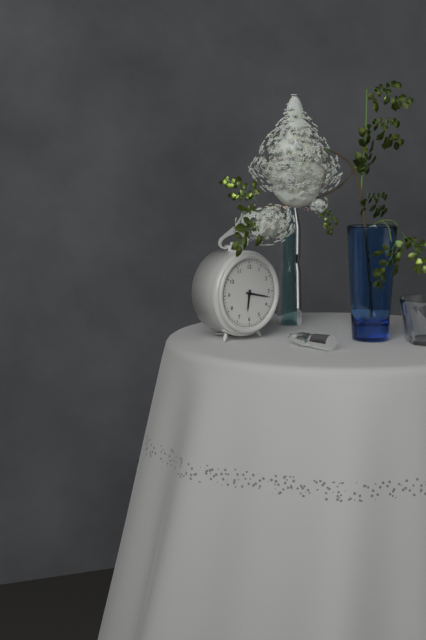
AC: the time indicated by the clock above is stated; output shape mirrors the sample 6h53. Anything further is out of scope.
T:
6h17
